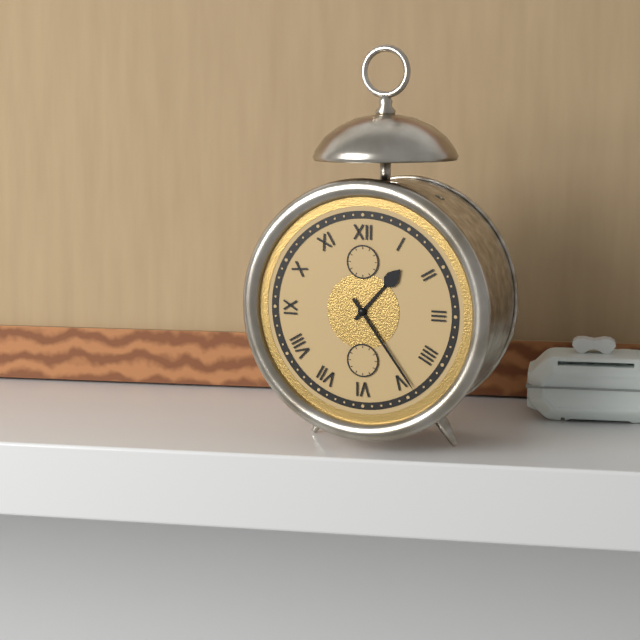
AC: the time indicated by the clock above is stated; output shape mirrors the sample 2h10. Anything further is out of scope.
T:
1h24
